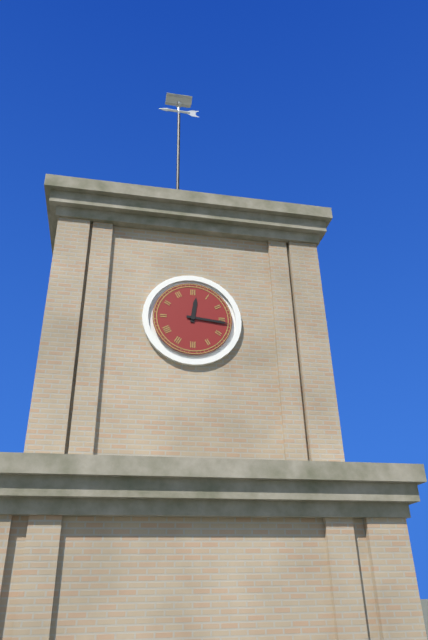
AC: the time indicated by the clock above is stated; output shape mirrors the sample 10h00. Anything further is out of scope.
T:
12h16
